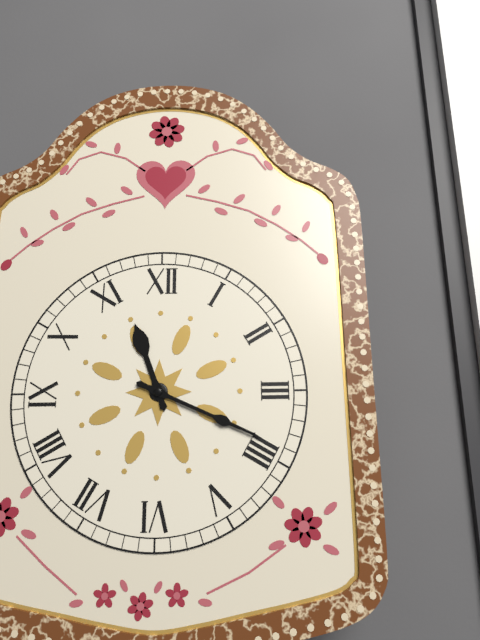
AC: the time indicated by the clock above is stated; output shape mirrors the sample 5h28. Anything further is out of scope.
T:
11h19
